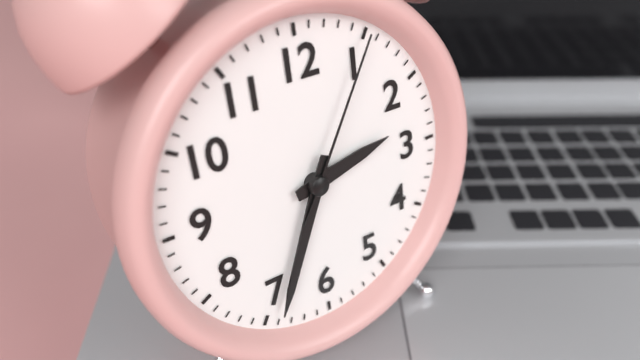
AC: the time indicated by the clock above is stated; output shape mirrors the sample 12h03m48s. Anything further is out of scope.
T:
2h34m05s
